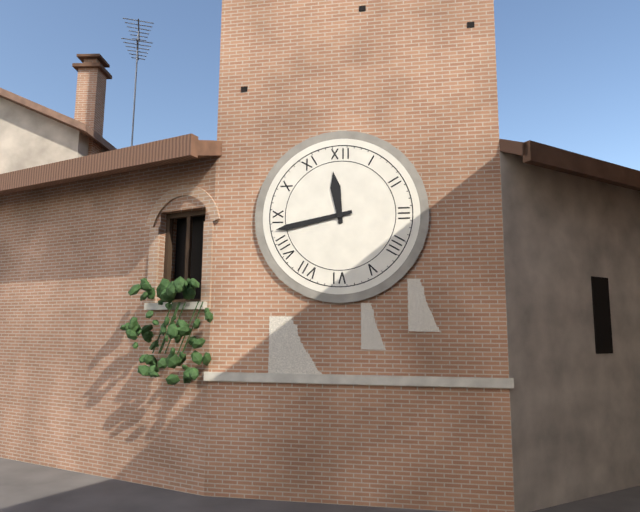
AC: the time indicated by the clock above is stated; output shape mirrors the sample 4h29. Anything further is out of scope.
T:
11h43
